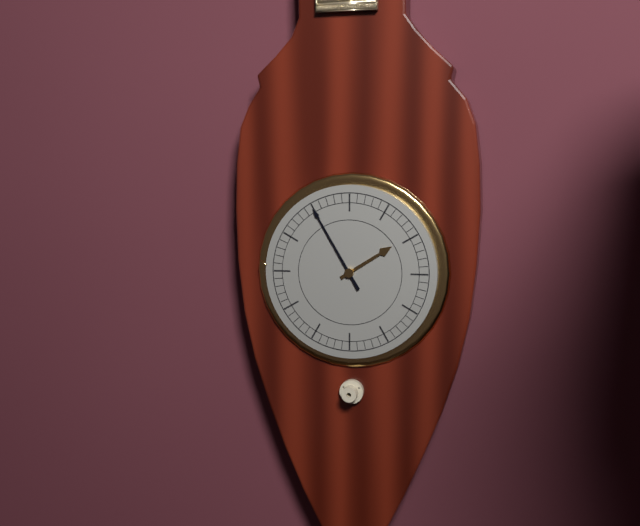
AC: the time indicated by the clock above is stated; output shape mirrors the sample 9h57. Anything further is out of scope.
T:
1h55
